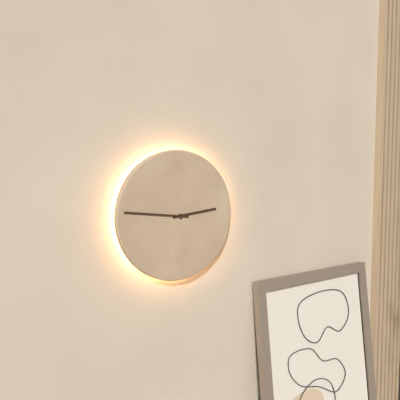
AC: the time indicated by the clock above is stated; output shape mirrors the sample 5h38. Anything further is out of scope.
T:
2h46
